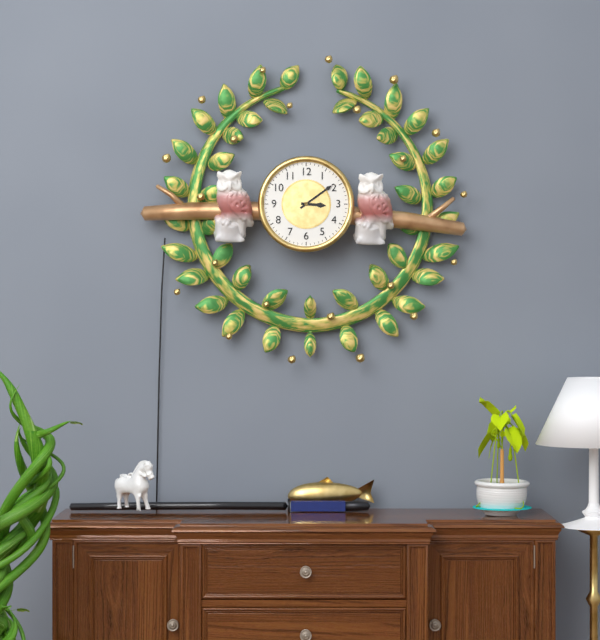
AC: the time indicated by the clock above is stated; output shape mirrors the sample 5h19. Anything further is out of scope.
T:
3h09
